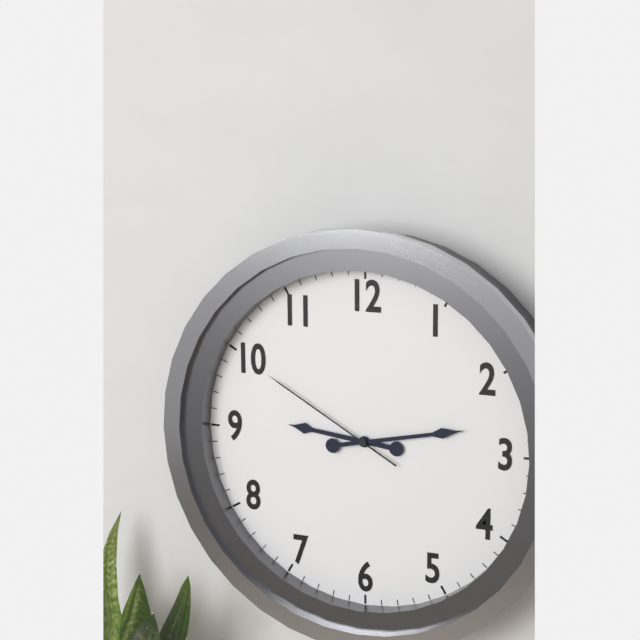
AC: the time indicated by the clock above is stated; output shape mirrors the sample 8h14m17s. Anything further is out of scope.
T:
9h13m50s
